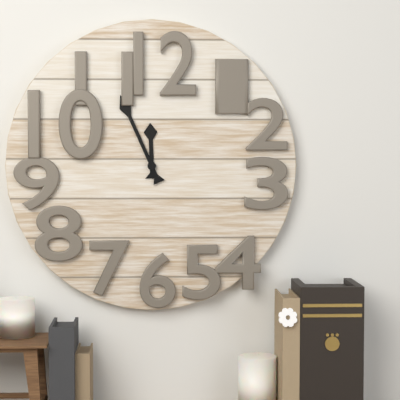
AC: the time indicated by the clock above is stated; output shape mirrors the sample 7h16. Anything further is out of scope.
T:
11h56
